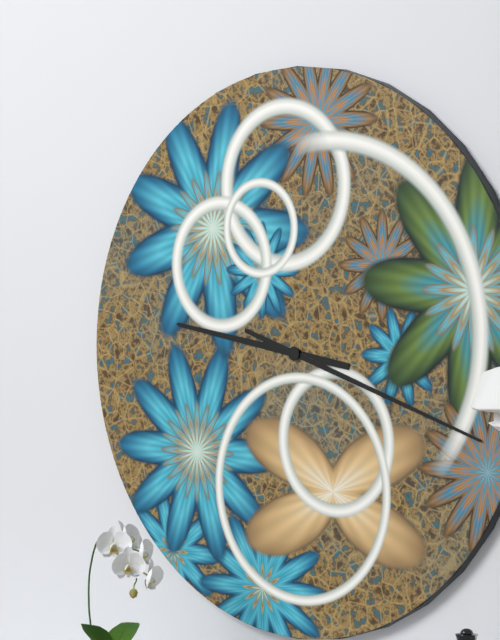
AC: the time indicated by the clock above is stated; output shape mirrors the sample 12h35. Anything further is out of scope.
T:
9h18
